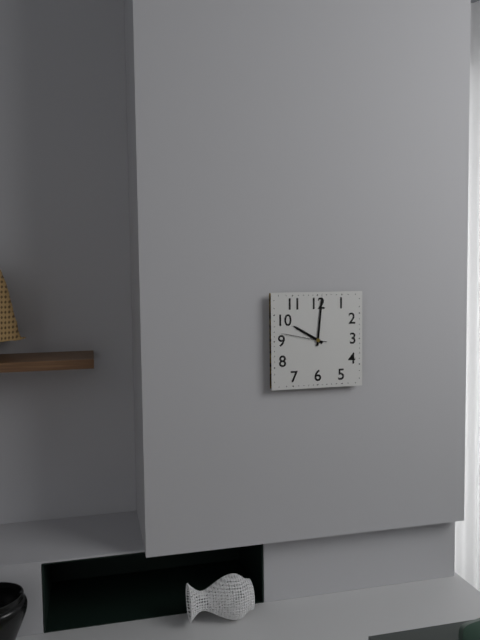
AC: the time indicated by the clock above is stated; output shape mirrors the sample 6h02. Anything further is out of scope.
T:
10h01
